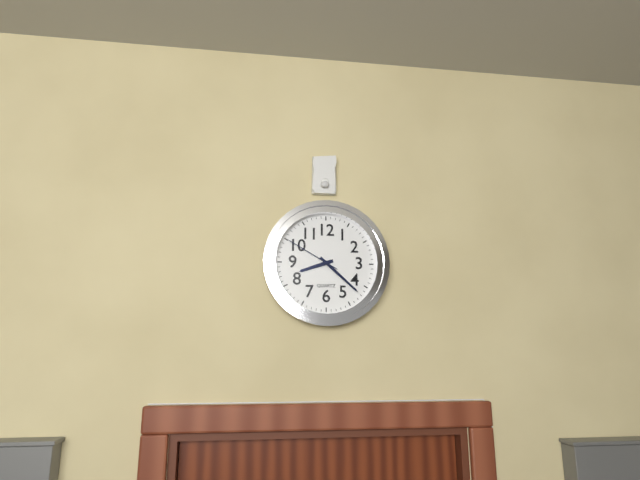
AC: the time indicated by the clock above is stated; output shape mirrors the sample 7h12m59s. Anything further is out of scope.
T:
8h22m50s
